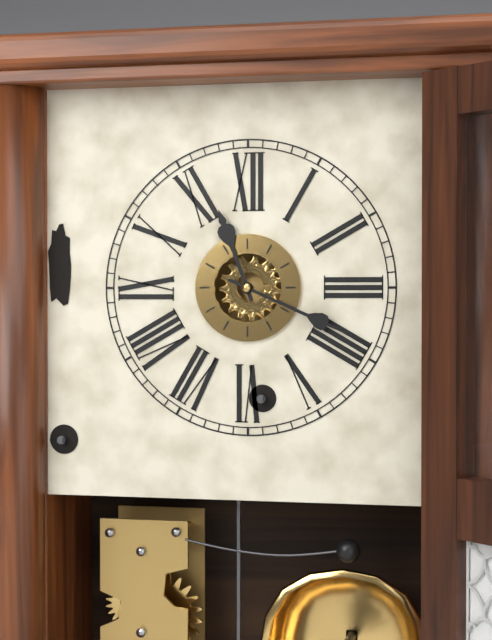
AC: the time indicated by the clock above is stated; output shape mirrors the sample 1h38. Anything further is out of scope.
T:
11h19
